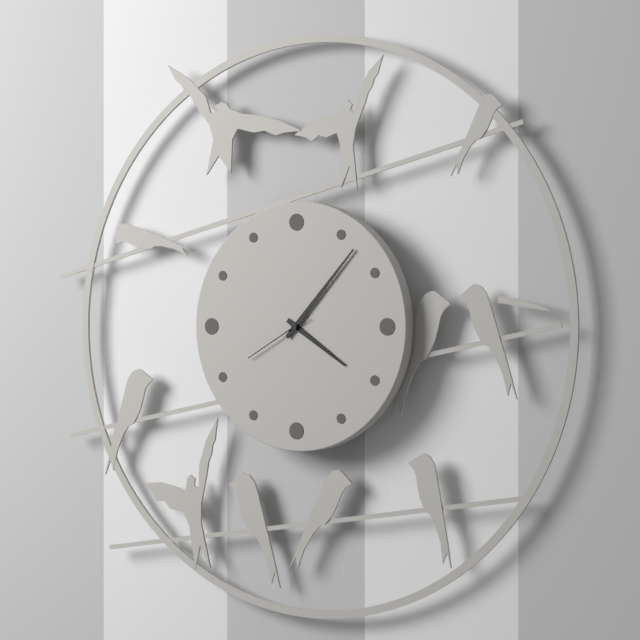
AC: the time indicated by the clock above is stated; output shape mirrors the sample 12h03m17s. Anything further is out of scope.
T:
4h07m40s
